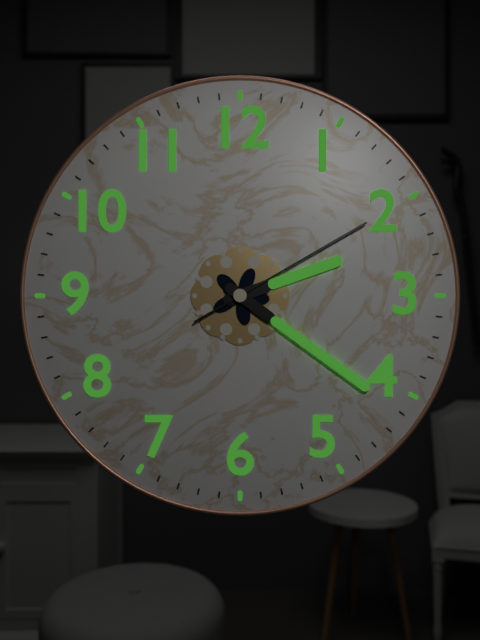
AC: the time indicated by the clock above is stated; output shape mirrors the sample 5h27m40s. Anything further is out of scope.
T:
2h21m10s
